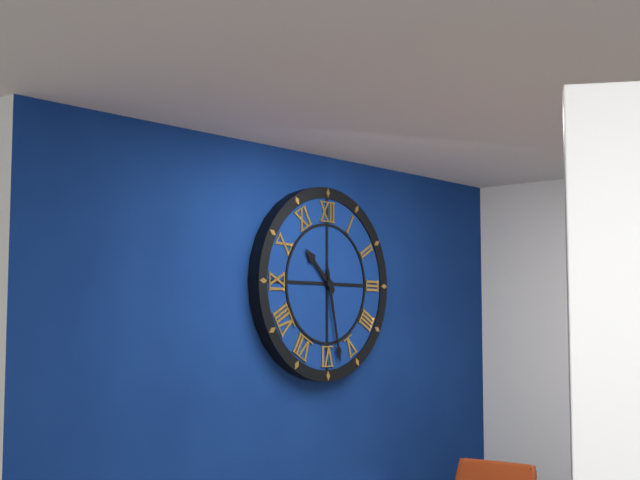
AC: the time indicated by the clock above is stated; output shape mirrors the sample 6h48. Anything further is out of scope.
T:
10h28
